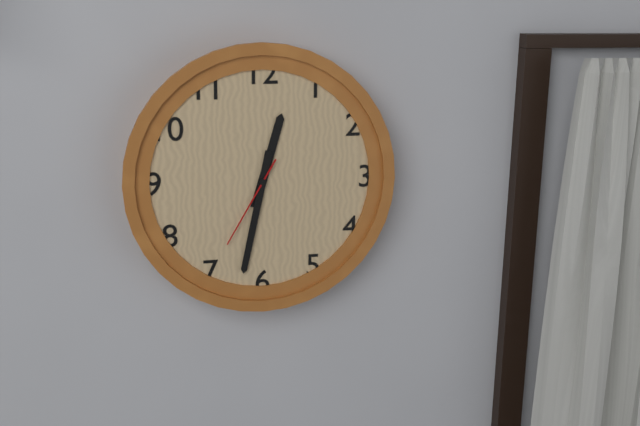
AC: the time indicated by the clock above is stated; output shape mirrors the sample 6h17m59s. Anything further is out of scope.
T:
12h32m35s
